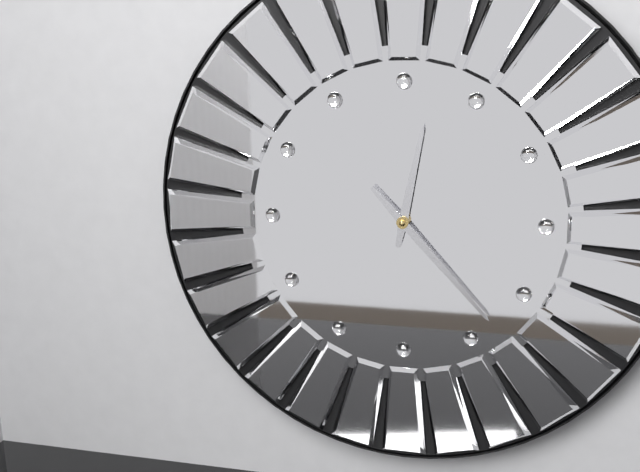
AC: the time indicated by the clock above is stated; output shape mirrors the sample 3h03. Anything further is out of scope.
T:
12h23
